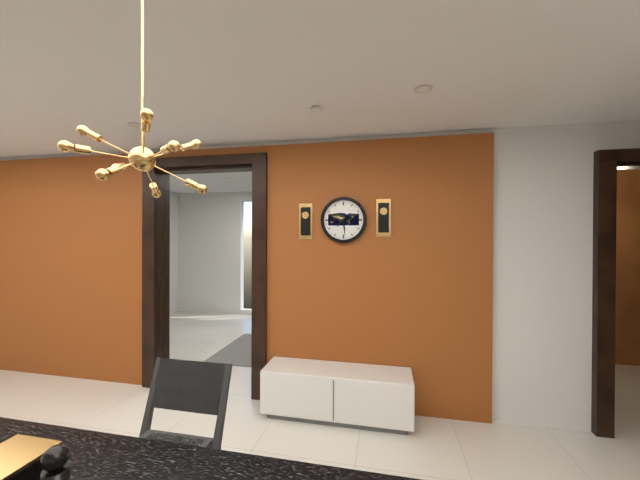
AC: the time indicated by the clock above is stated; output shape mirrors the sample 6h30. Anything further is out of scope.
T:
7h29
